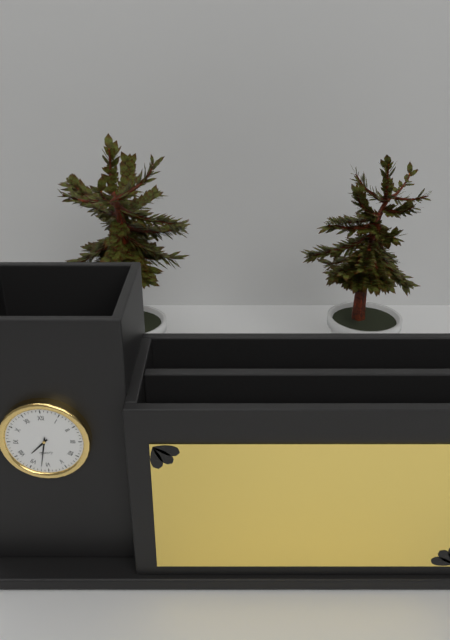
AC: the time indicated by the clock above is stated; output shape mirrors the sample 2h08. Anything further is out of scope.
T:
7h32
